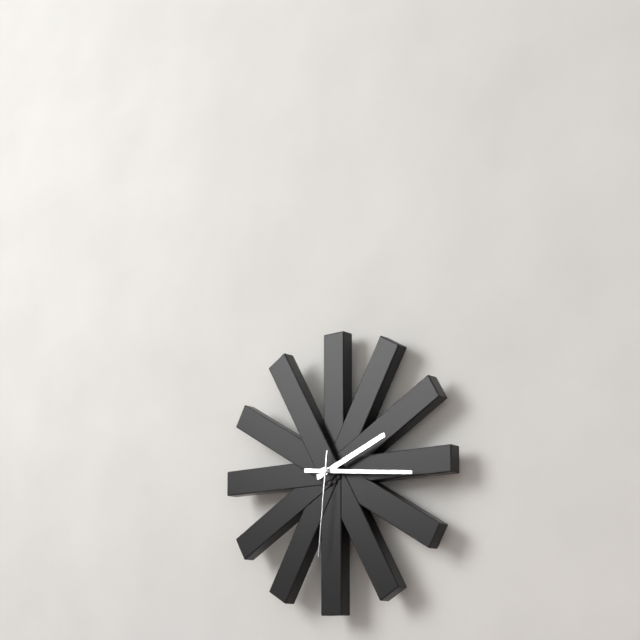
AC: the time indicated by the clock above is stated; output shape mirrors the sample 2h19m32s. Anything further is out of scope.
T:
2h16m31s
